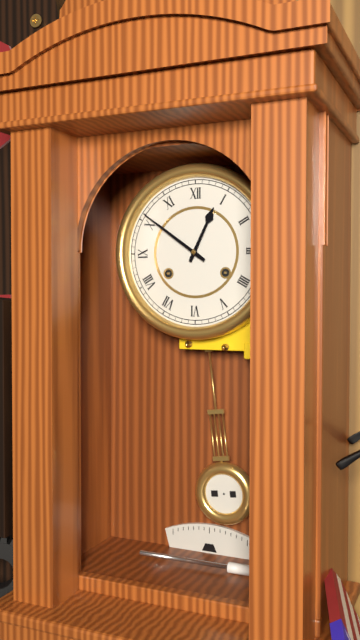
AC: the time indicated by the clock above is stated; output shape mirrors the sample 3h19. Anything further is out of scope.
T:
12h51
